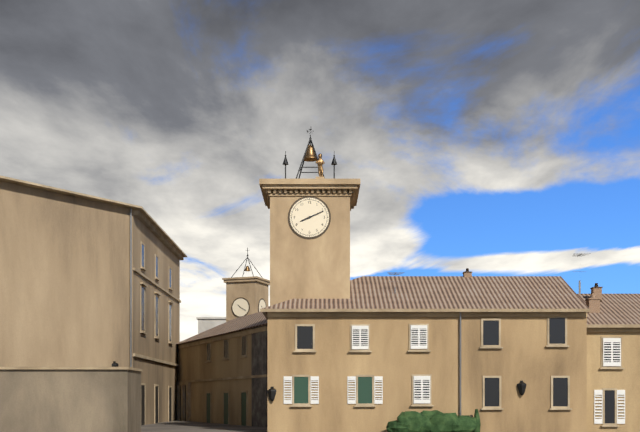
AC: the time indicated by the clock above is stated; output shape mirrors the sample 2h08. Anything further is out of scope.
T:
8h11
